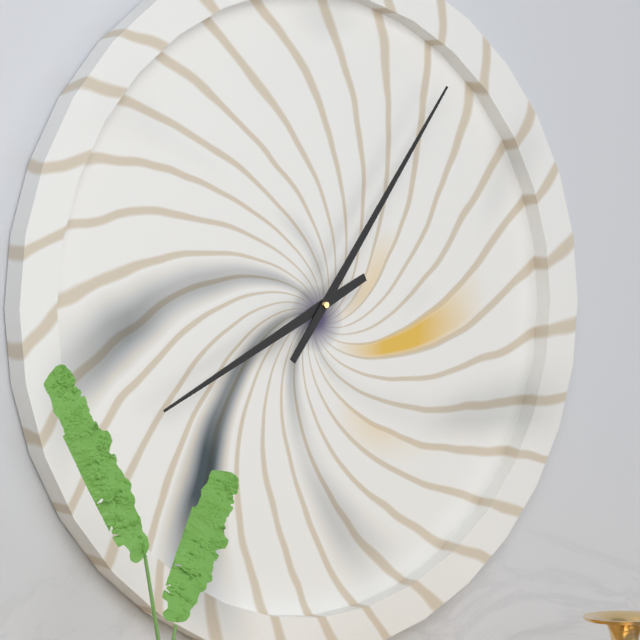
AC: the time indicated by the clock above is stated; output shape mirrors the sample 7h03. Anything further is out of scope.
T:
8h06
